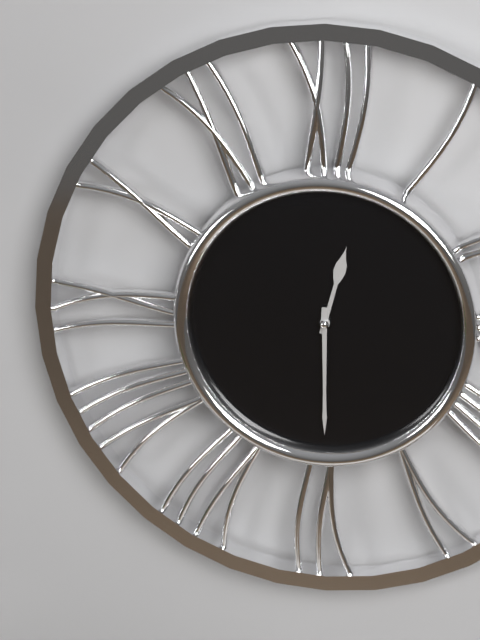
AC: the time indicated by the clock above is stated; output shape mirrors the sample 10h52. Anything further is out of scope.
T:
12h30
